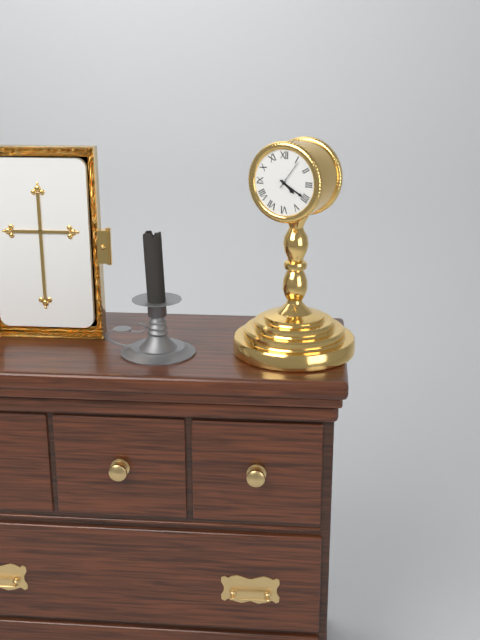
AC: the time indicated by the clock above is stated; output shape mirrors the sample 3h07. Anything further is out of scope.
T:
4h20
